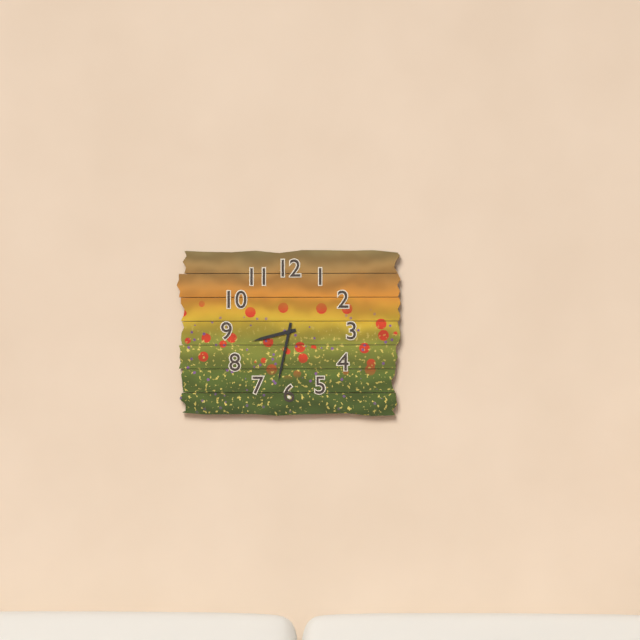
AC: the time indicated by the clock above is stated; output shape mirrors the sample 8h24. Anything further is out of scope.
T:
8h32
